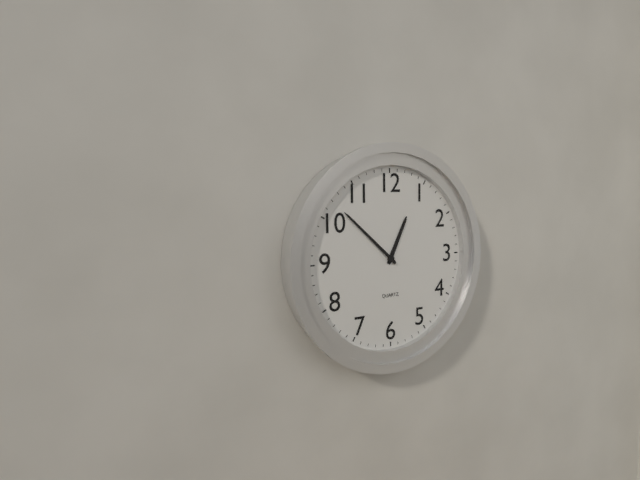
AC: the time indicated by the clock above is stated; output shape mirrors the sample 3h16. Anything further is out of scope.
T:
12h52
